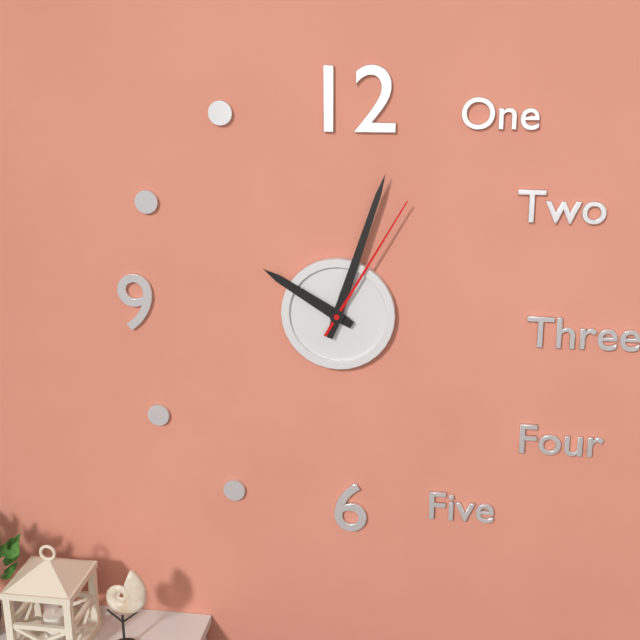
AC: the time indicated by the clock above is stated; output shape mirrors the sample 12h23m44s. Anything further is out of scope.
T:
10h03m05s
